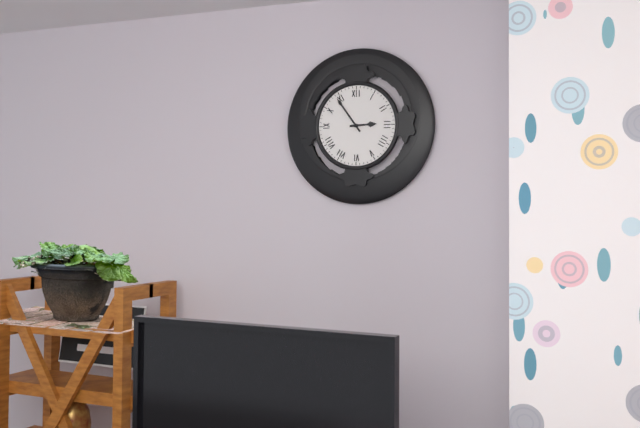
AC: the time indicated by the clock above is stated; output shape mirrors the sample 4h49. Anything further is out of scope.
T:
2h54
